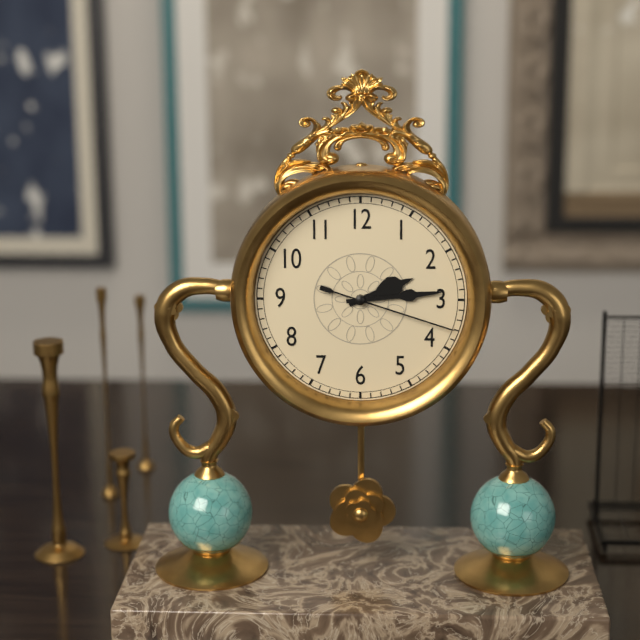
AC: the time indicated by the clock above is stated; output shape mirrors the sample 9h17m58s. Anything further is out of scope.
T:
2h14m18s
